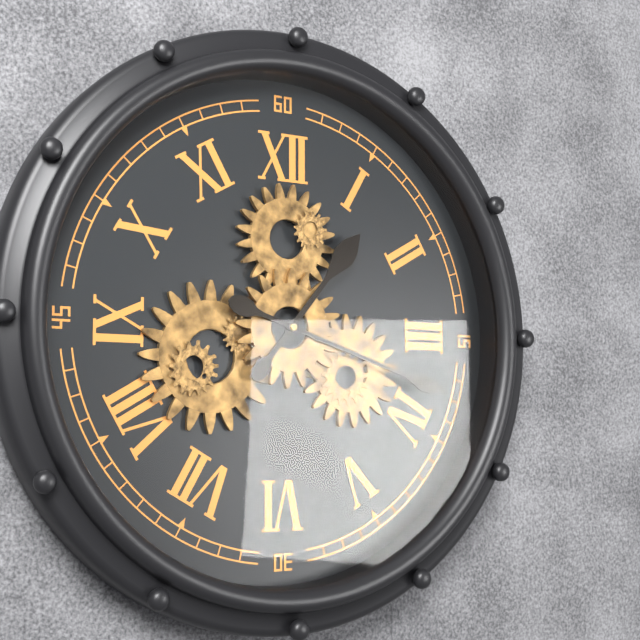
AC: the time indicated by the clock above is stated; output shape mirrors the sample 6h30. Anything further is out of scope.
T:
1h18
